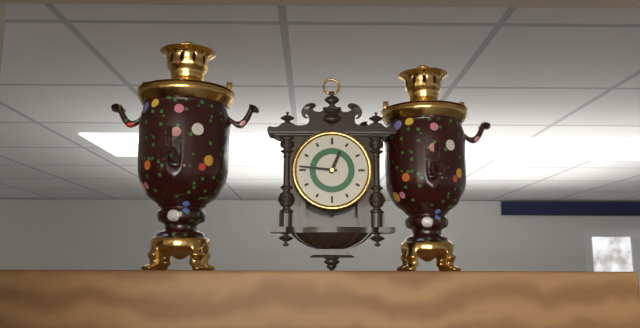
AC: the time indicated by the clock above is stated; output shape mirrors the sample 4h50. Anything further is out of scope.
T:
12h46
